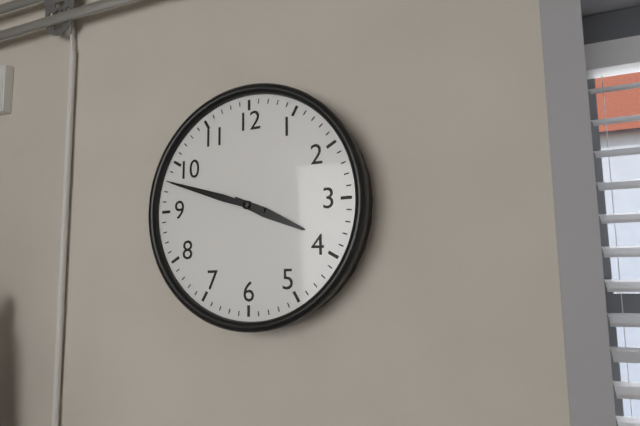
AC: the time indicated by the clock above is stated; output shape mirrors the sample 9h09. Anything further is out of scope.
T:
3h48
